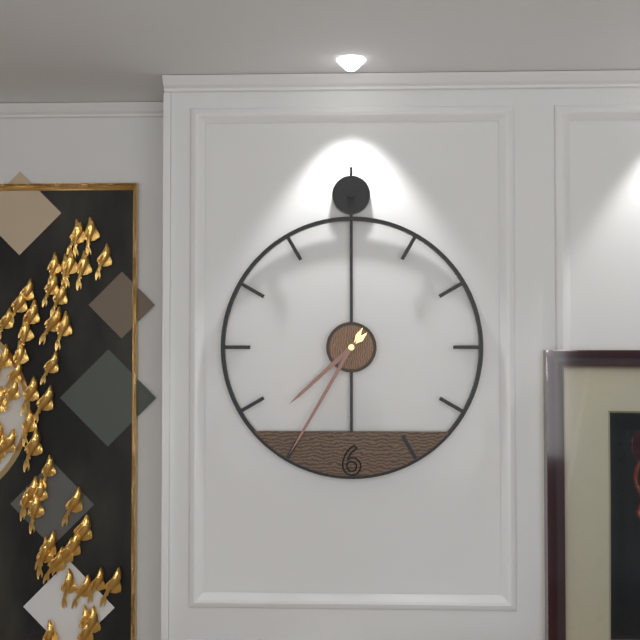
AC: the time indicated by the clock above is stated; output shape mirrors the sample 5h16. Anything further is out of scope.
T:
7h35
